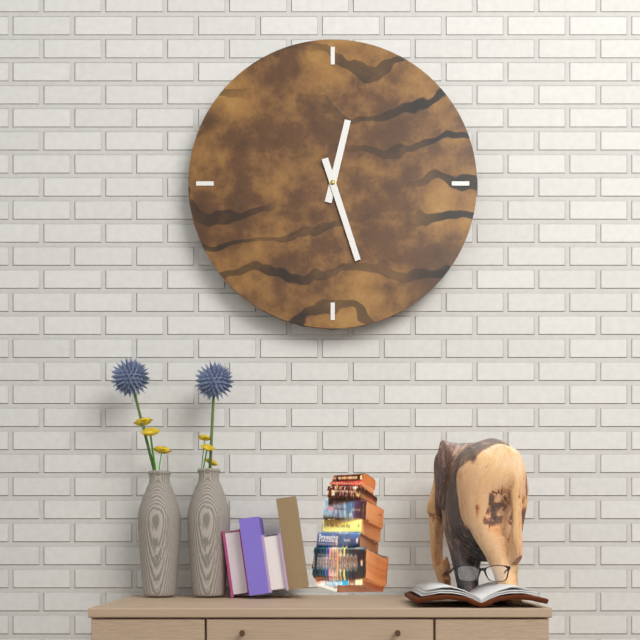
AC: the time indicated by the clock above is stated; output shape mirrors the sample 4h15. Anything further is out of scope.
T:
12h27
